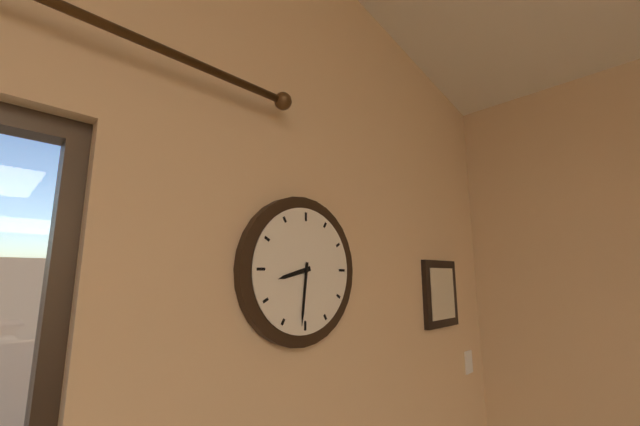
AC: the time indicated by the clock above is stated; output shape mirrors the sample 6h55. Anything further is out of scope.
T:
8h31
